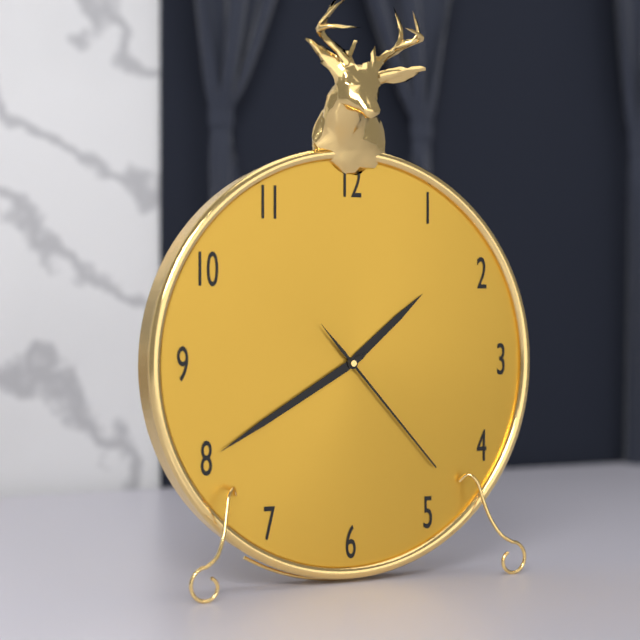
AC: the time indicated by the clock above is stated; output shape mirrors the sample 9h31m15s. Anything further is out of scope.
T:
1h40m23s
